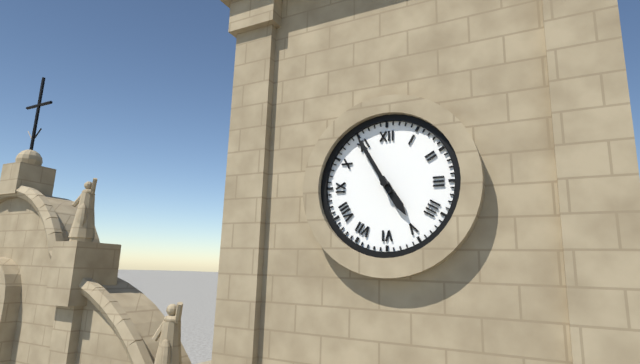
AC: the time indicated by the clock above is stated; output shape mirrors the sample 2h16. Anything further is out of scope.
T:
4h55
